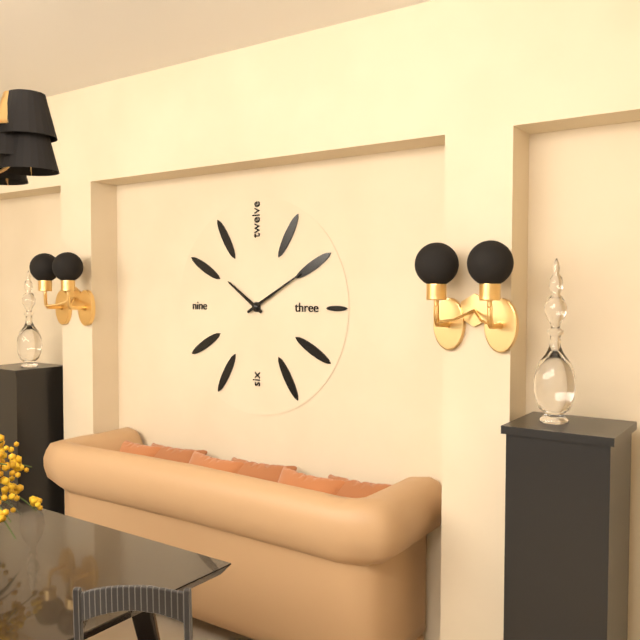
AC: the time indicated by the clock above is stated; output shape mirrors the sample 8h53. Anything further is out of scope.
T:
10h10
